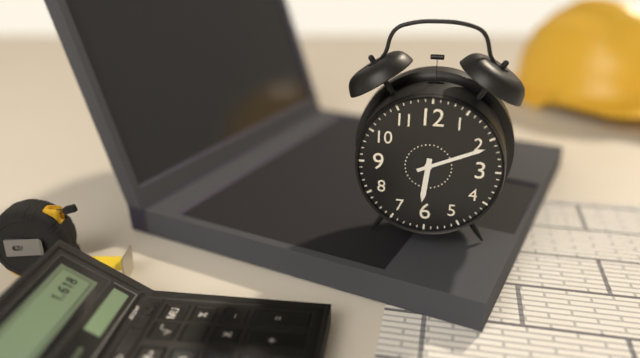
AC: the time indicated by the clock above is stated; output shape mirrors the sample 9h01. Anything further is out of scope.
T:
6h11
